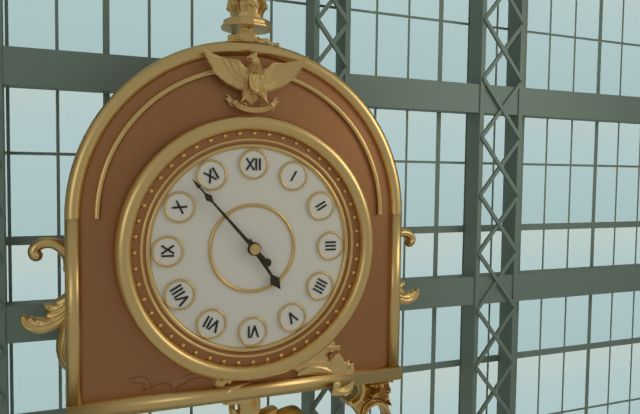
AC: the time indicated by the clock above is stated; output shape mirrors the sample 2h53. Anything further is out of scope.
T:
4h53
